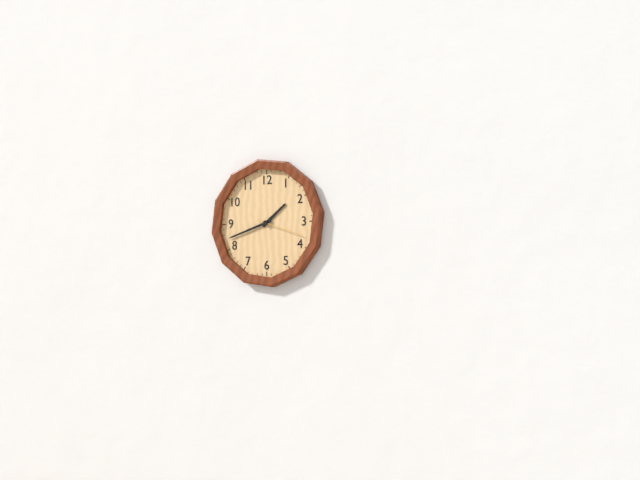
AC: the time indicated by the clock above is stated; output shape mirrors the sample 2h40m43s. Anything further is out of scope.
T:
1h42m18s
